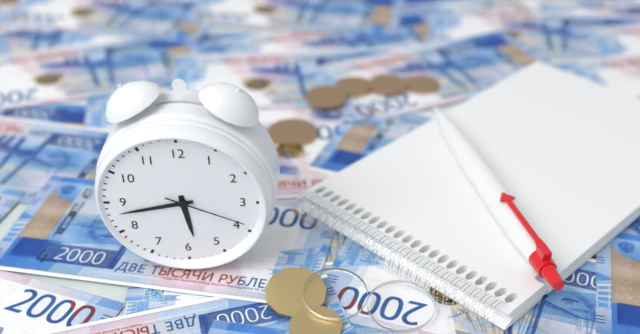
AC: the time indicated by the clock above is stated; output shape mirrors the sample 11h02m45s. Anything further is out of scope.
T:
5h43m19s
